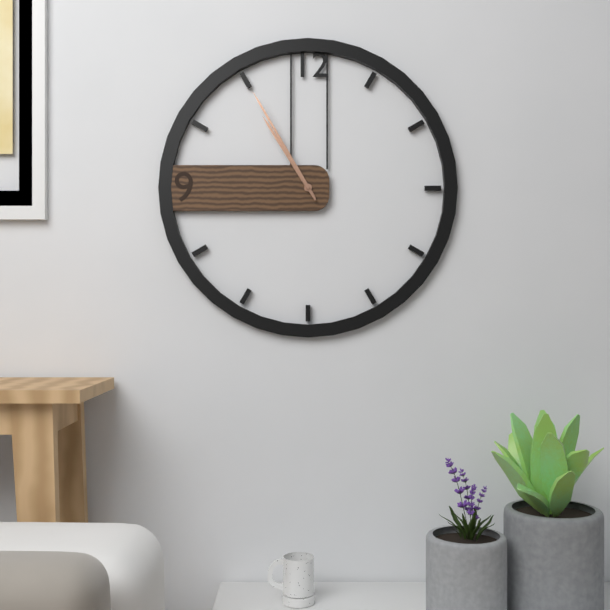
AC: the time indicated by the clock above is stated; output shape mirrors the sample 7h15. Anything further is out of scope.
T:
10h55
